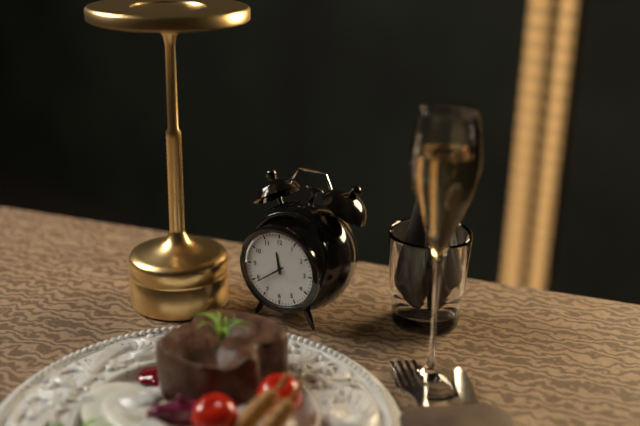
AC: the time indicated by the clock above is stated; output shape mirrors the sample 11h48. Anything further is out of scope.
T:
11h39
